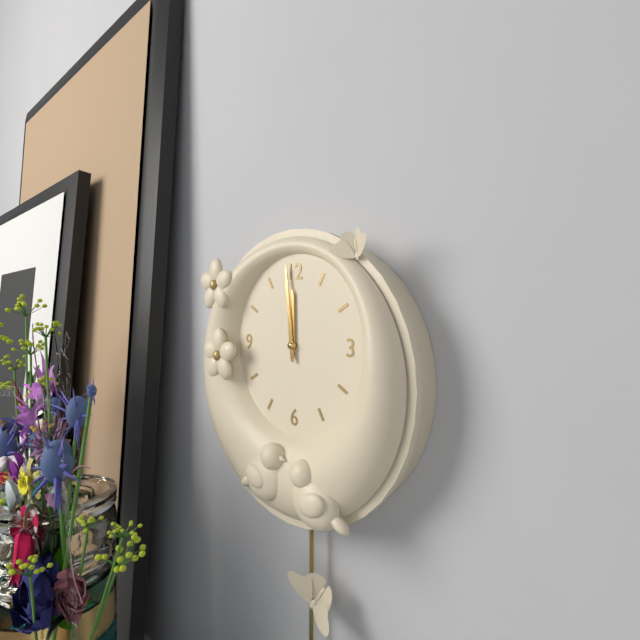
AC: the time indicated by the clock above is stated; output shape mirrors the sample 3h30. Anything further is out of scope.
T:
11h59
